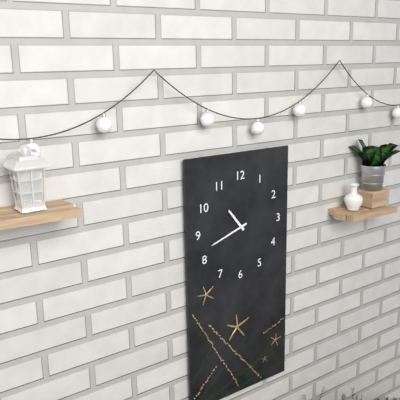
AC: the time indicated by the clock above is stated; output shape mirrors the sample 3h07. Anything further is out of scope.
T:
10h42
